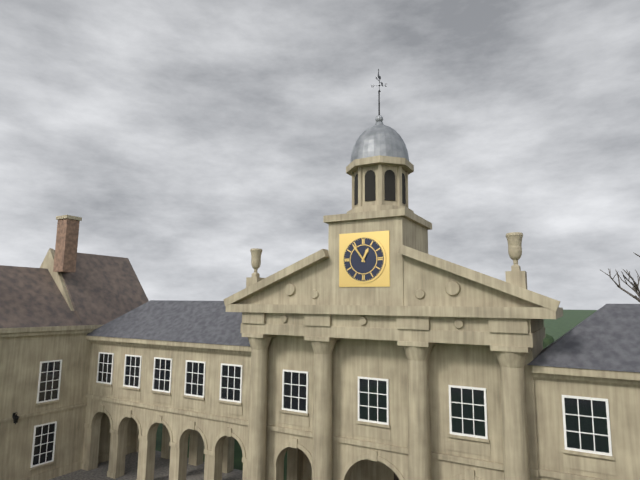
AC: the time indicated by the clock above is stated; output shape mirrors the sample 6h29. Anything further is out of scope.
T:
12h54
